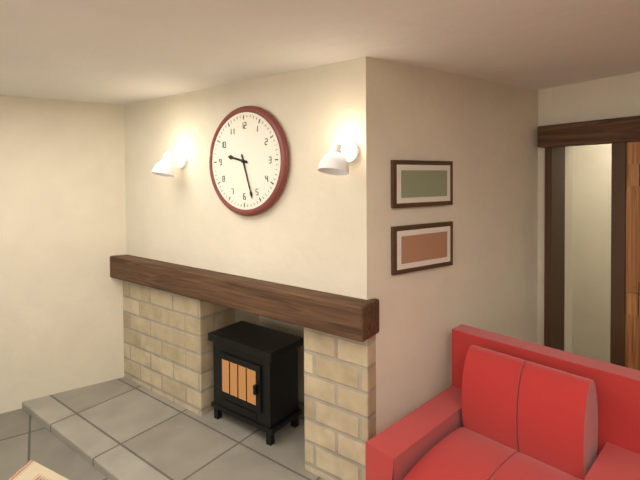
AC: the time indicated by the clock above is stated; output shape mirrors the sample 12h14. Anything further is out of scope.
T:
9h27
